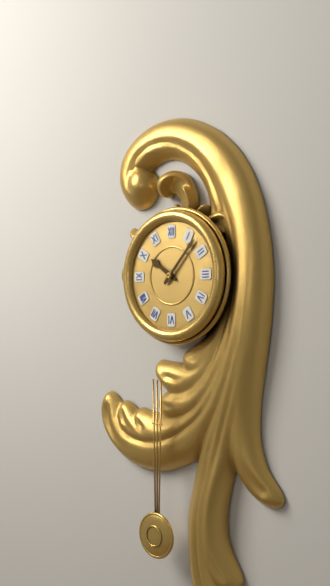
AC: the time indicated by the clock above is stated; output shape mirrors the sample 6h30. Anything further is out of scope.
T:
10h07
